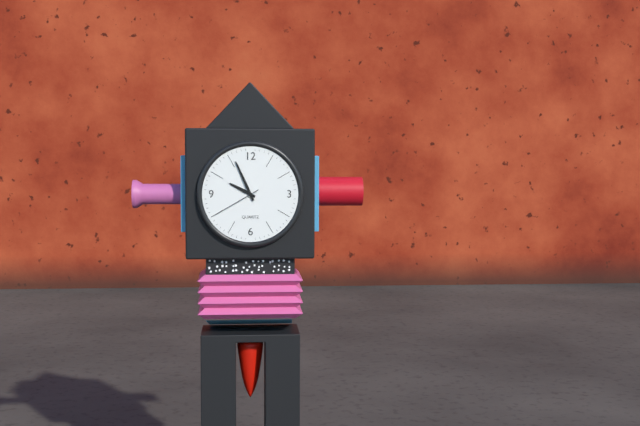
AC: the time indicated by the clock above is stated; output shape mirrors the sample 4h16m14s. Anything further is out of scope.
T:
9h56m40s
